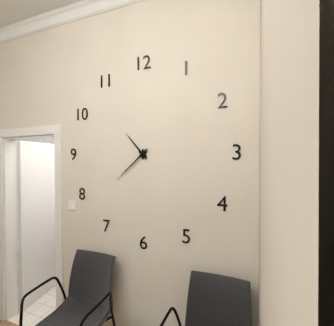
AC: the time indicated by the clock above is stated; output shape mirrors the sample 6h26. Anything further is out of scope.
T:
10h38
